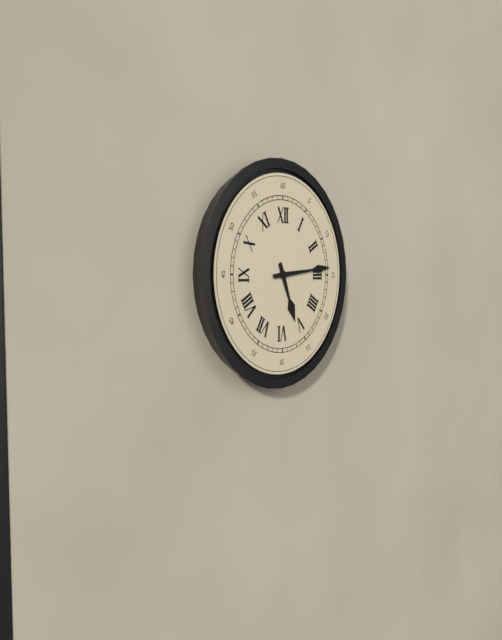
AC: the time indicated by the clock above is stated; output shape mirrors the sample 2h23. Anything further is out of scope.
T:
5h14
